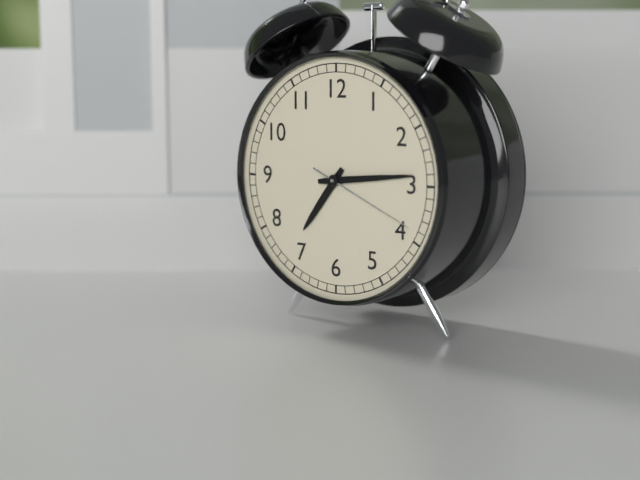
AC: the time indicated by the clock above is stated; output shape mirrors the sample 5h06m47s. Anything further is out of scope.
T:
7h14m19s
